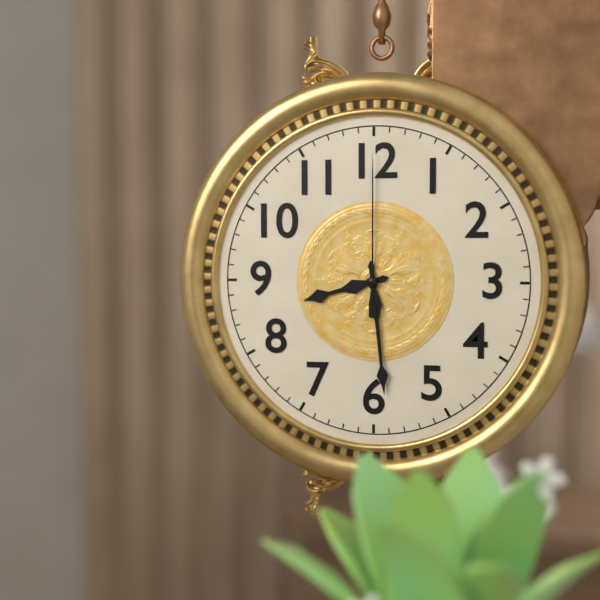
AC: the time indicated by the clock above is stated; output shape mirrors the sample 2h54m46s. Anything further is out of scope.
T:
8h29m00s
